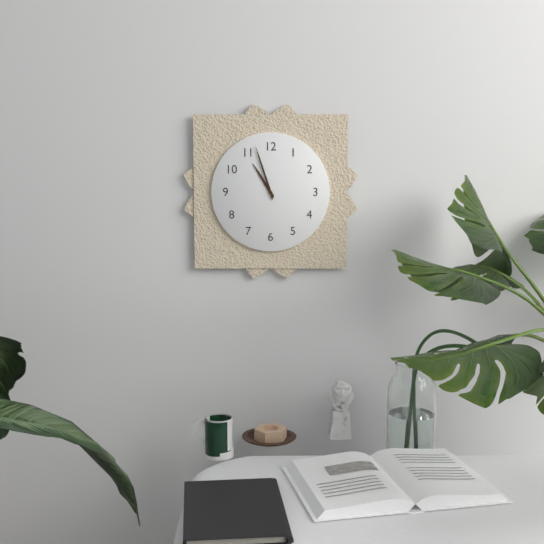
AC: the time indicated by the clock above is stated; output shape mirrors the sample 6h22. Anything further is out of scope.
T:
10h57
